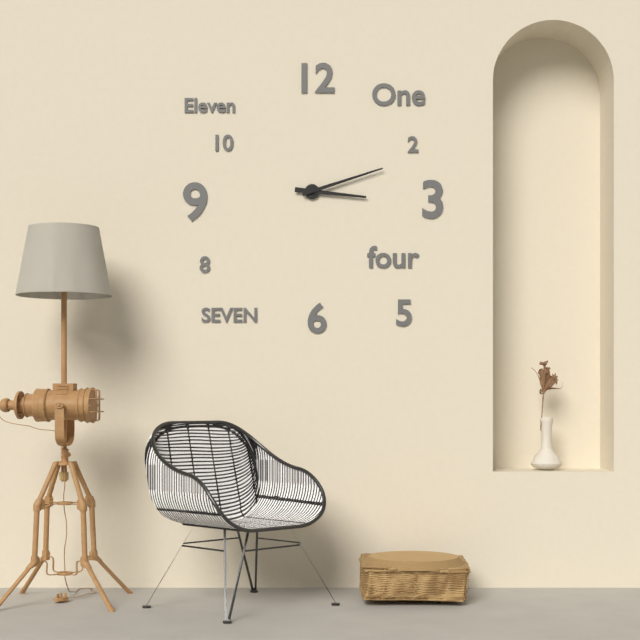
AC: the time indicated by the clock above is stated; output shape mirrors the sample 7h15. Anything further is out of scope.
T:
3h12
